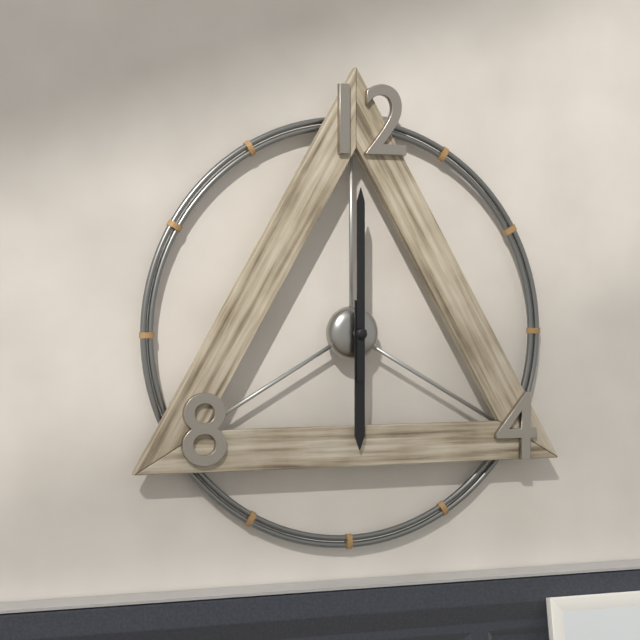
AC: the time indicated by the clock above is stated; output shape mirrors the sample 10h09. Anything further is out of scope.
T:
6h00
